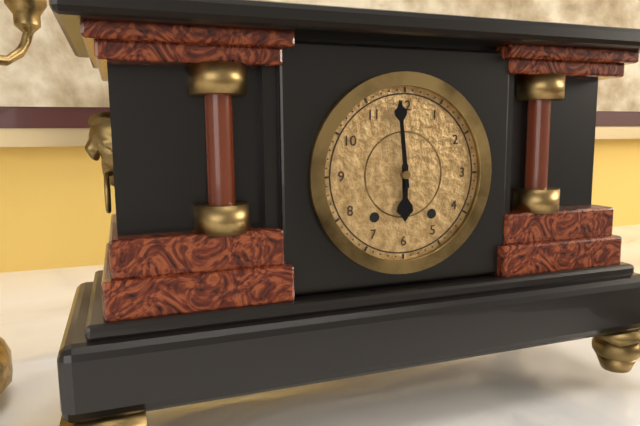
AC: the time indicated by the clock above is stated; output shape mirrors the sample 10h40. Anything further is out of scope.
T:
5h59
